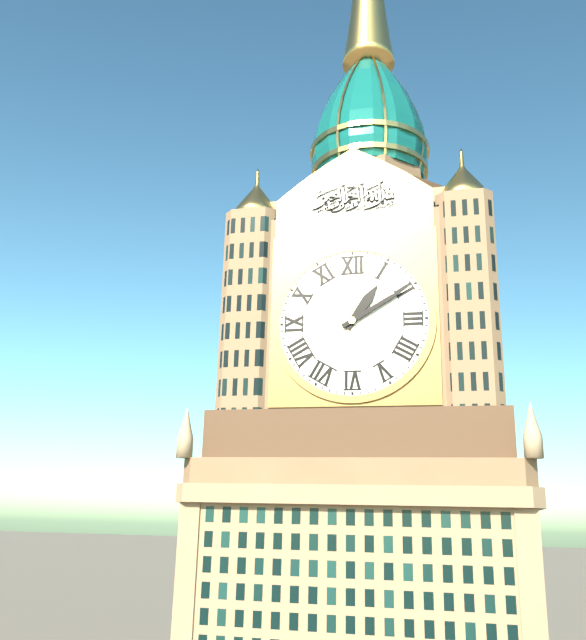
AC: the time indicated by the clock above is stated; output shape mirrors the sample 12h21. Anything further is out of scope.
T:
1h10
